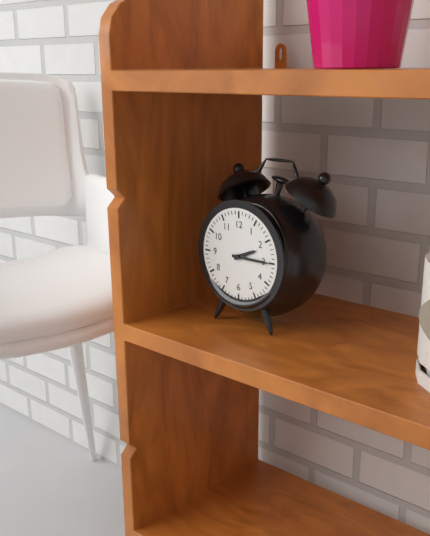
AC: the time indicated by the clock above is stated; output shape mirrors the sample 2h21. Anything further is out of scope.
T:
2h15
